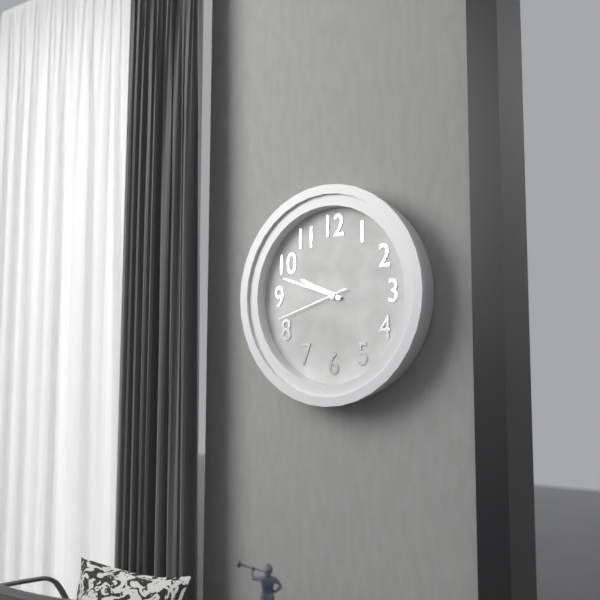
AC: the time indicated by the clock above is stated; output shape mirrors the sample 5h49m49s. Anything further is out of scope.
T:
9h48m42s
